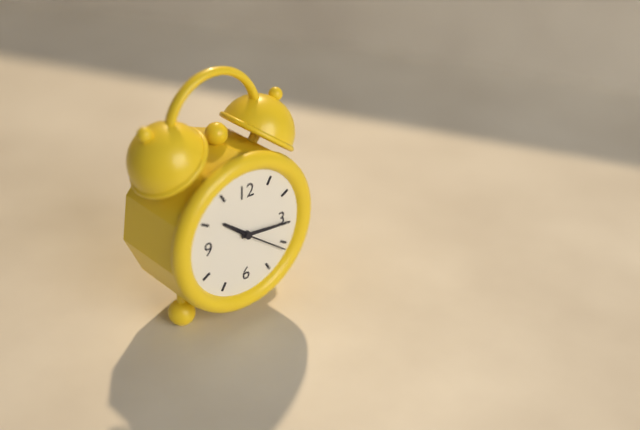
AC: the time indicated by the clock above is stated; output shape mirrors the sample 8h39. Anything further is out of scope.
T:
10h16
